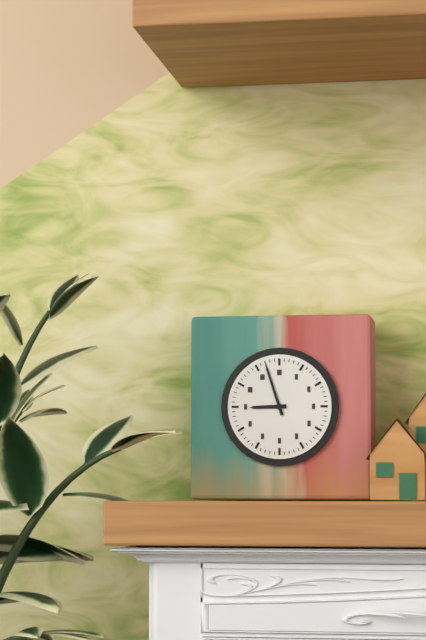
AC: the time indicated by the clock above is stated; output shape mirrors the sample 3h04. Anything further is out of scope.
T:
8h57
